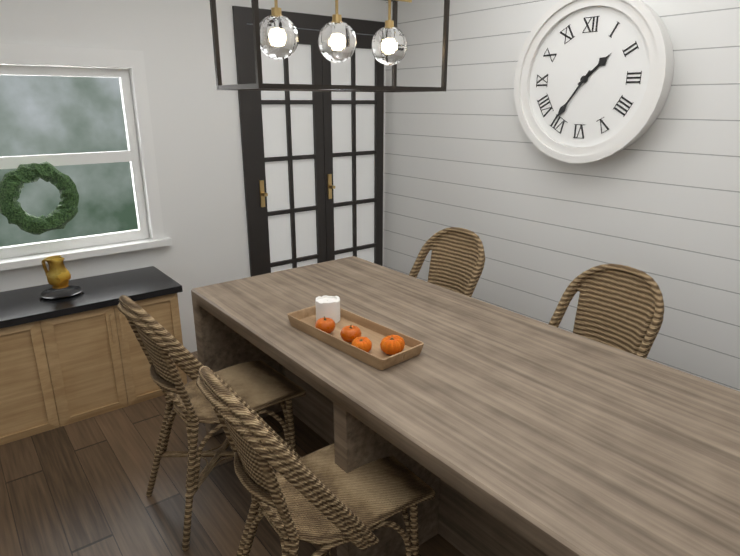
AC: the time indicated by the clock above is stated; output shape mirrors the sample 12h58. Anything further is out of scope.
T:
1h36
